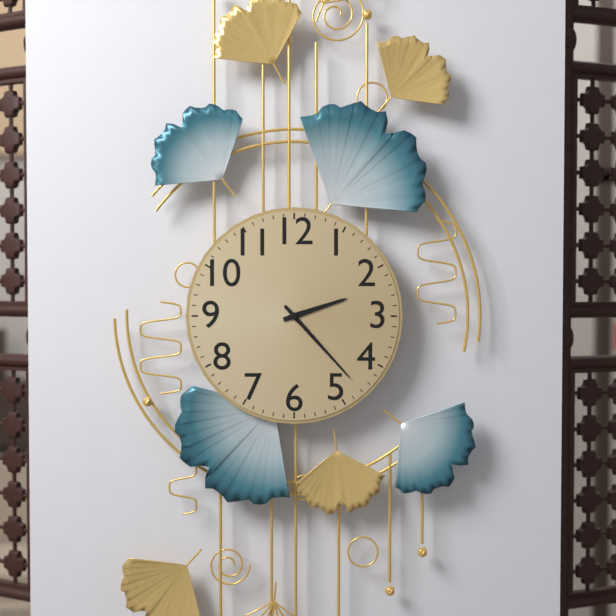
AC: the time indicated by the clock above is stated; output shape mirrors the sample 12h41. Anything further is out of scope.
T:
2h23
